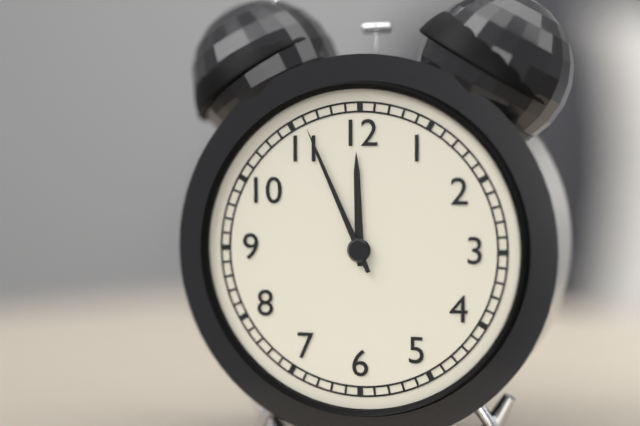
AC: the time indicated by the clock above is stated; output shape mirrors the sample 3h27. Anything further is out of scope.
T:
11h56
